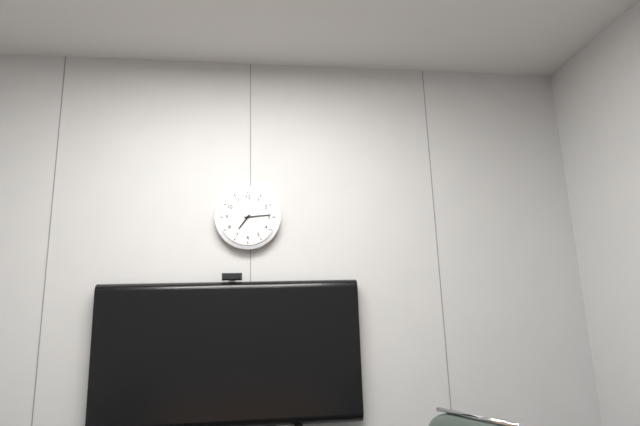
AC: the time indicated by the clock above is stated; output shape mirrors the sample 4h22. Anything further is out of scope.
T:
7h14
